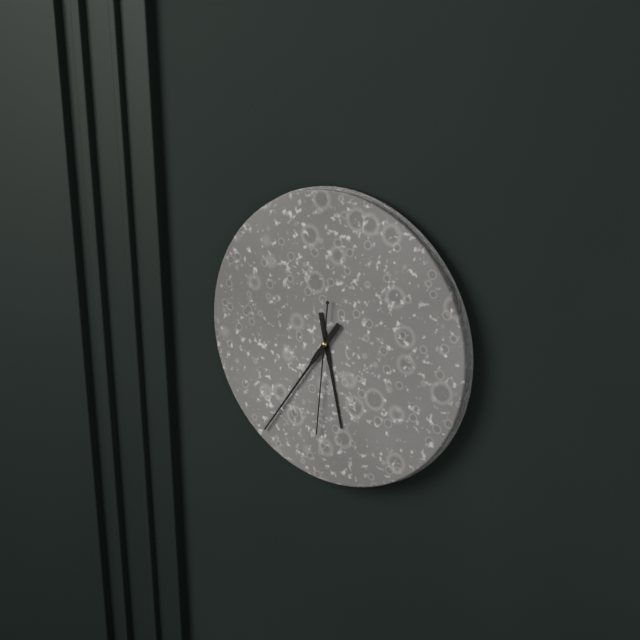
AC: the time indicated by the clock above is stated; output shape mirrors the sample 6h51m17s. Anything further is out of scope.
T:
5h36m31s
